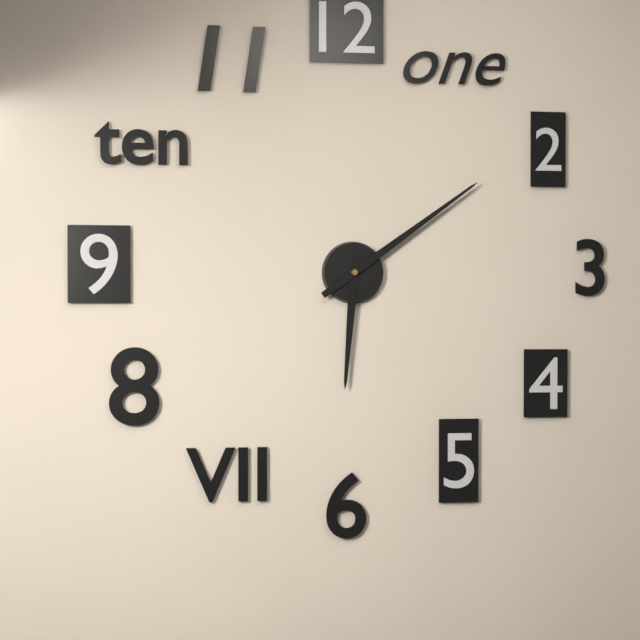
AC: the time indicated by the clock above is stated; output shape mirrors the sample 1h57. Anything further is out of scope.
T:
6h09
